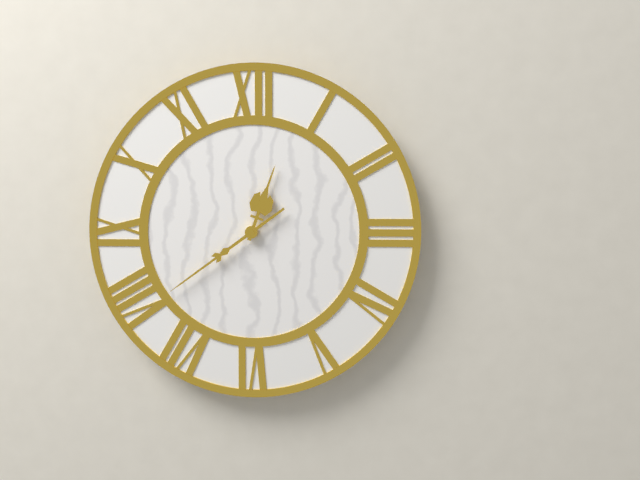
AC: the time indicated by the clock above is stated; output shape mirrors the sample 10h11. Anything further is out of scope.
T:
12h39
